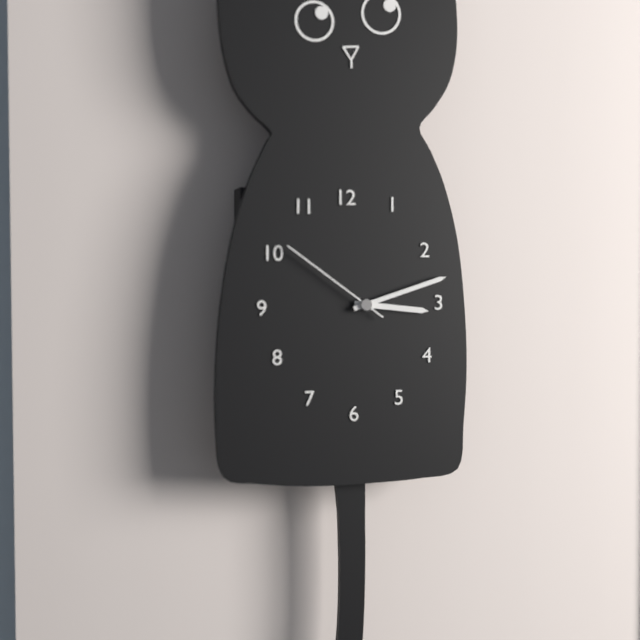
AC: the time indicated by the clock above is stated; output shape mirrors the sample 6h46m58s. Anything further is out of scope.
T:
3h12m51s
